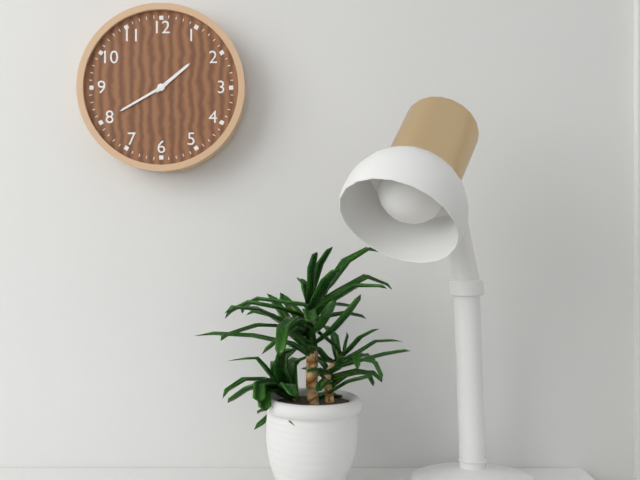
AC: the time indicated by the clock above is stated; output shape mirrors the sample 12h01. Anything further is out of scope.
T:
1h40
